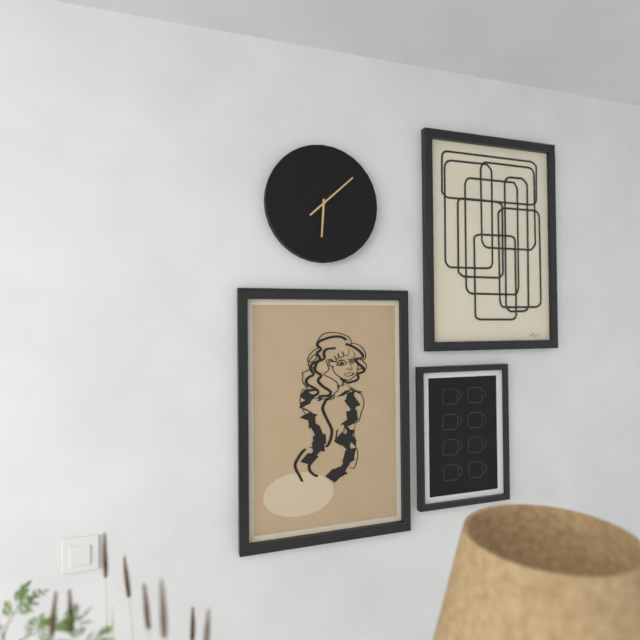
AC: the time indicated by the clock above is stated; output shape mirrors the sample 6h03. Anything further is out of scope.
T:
6h08
